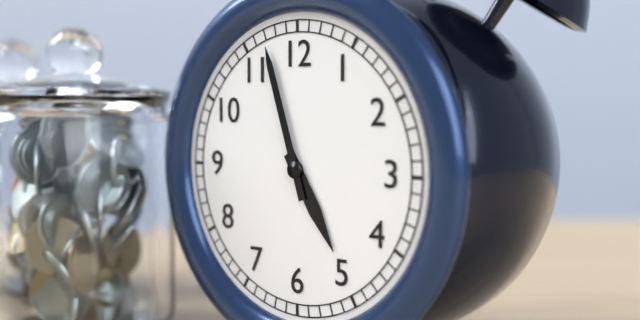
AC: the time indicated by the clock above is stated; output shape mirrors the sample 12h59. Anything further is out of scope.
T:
4h57
